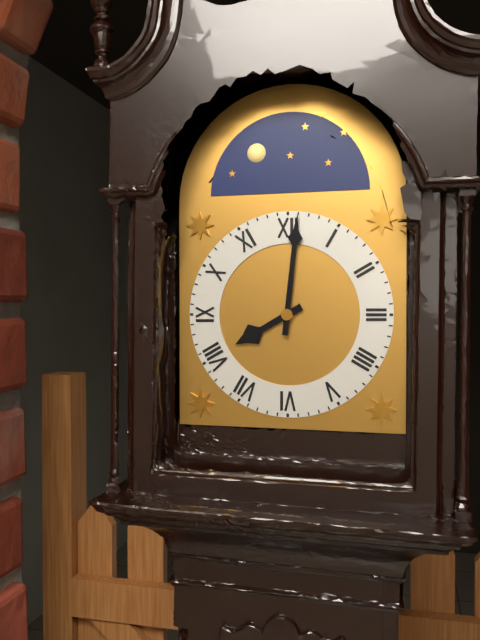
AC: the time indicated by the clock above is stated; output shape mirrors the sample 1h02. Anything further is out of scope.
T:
8h01
